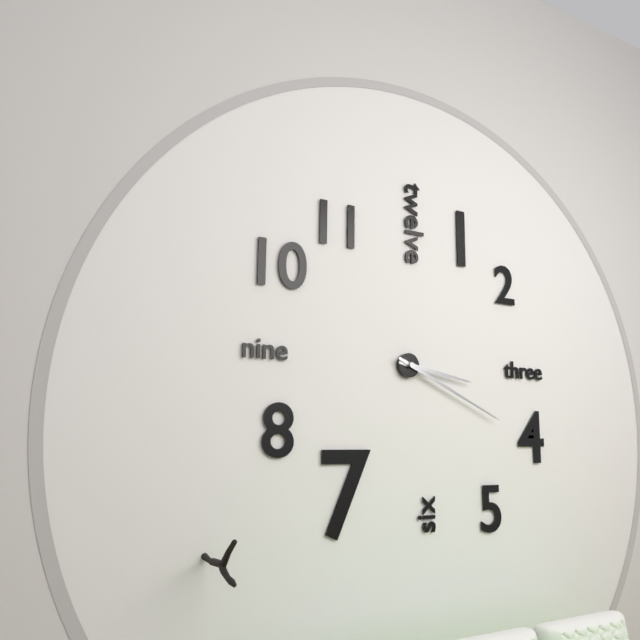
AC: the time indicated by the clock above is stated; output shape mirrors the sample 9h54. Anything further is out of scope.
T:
3h19
